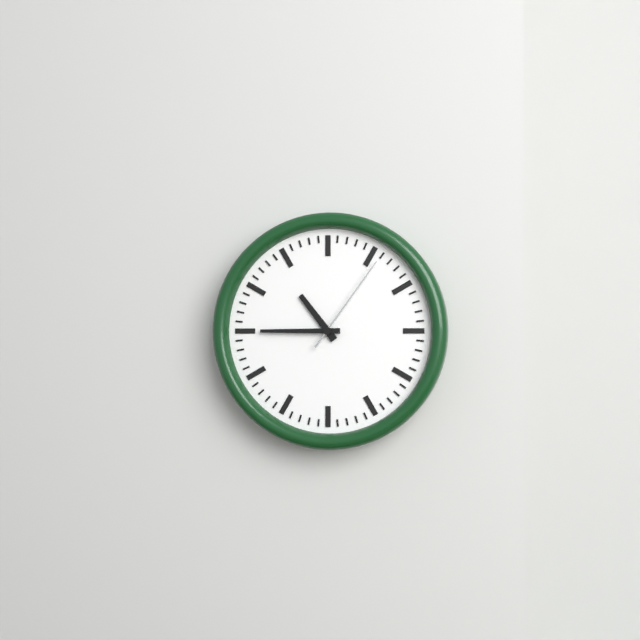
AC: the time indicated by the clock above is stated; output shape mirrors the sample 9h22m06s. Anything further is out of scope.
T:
10h45m06s
